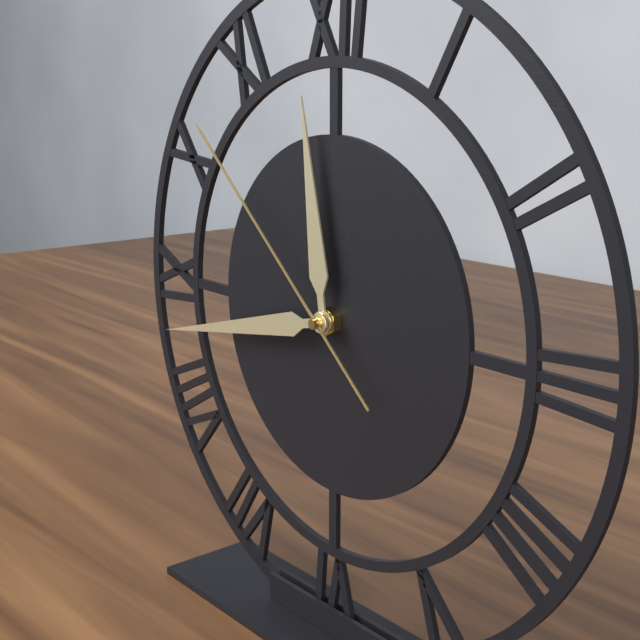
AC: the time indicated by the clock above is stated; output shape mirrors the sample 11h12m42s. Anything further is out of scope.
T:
11h43m52s
